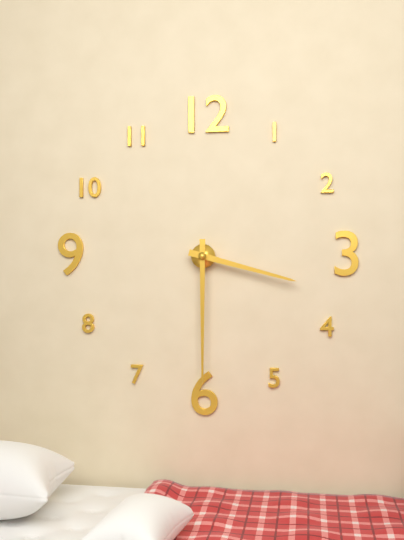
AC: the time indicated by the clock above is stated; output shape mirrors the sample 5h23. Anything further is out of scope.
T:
3h30
